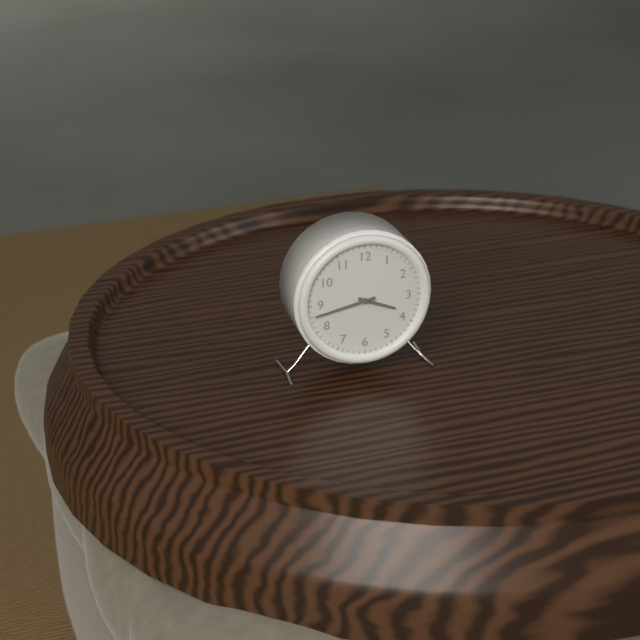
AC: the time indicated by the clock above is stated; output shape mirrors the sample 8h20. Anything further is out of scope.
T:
3h43
